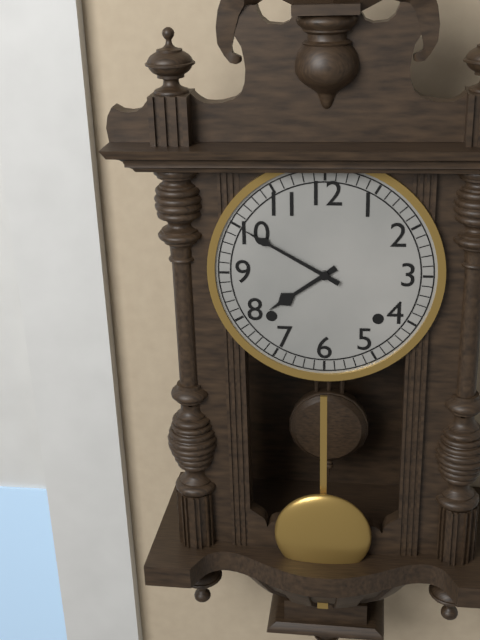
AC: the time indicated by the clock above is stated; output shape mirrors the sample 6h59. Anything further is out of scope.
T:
7h50
